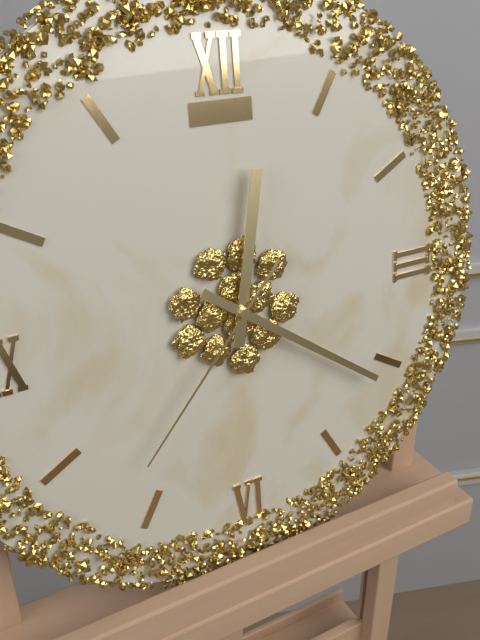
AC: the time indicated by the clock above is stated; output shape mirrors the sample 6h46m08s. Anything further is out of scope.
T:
12h21m37s
